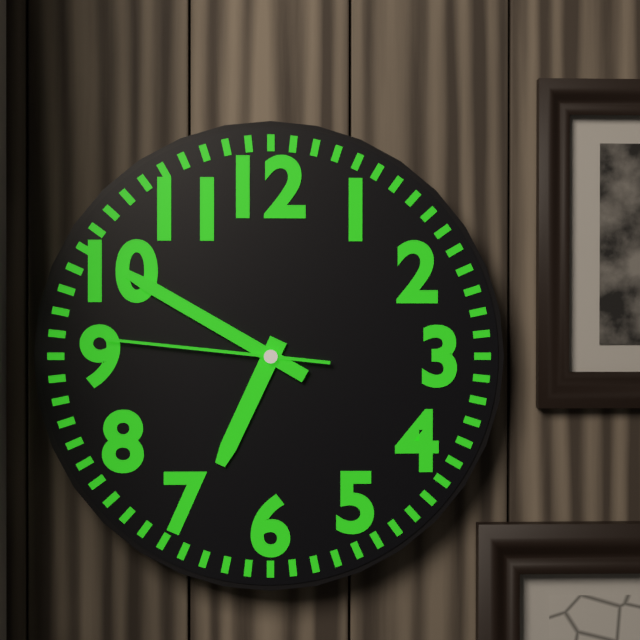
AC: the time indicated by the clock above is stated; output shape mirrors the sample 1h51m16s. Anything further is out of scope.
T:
6h50m46s
